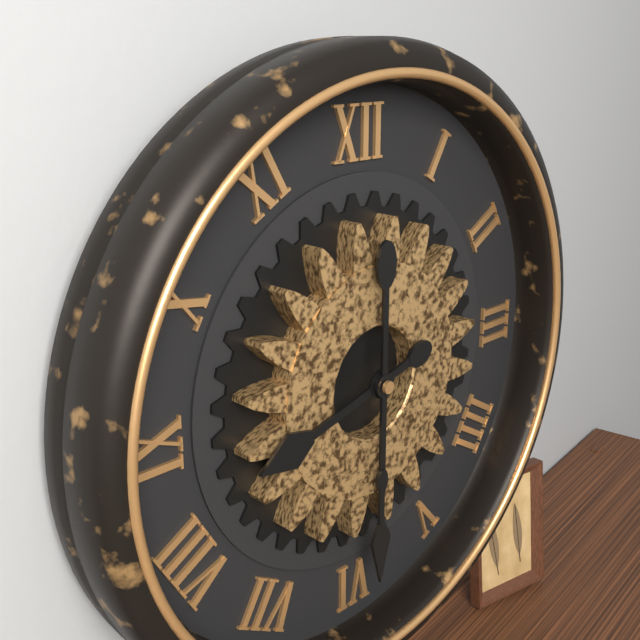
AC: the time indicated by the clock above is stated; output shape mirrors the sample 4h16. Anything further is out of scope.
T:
8h30
